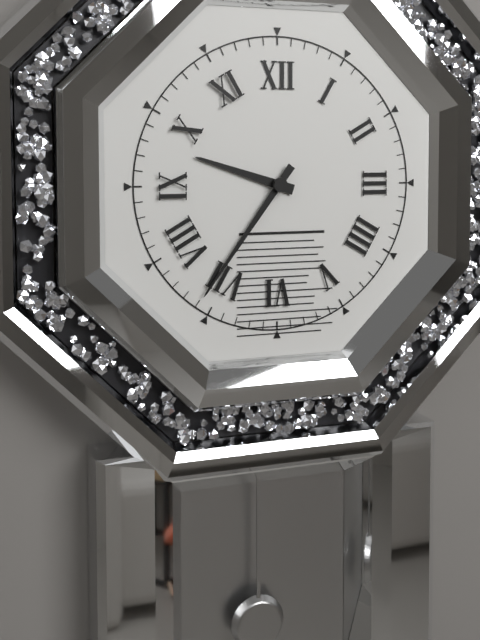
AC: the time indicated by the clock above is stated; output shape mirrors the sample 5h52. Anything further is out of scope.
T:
9h36
